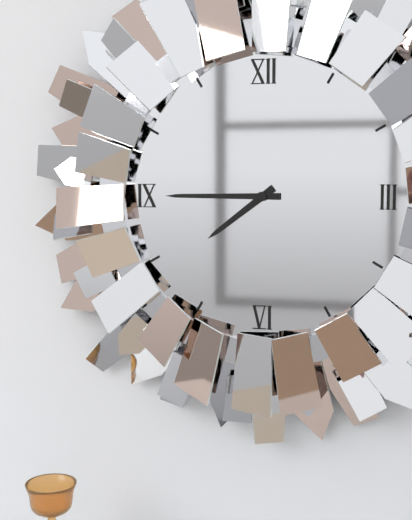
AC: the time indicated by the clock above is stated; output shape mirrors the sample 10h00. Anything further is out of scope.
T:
7h45
